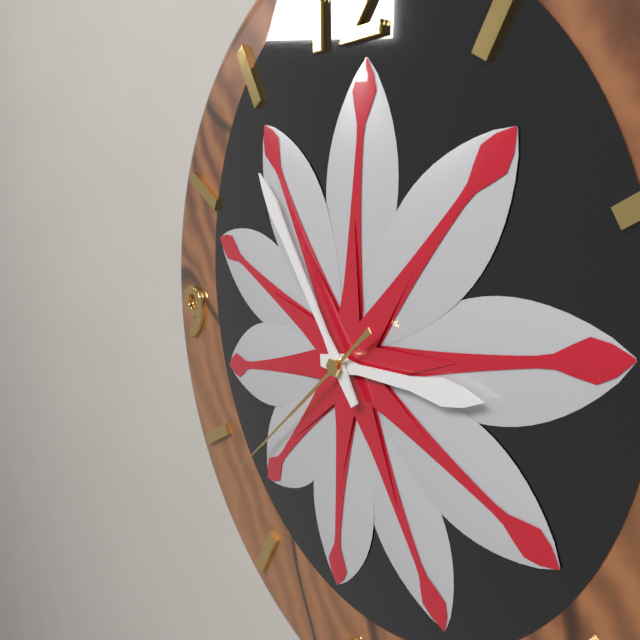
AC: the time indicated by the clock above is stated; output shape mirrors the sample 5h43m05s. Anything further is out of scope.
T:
2h54m38s
